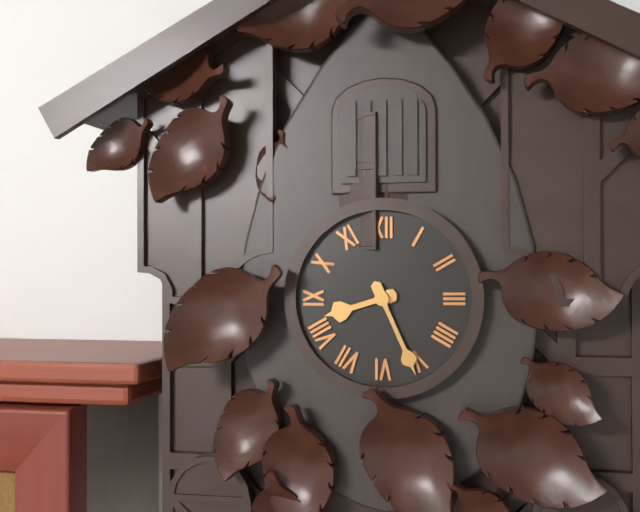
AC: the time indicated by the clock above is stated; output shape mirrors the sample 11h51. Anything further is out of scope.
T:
8h26
